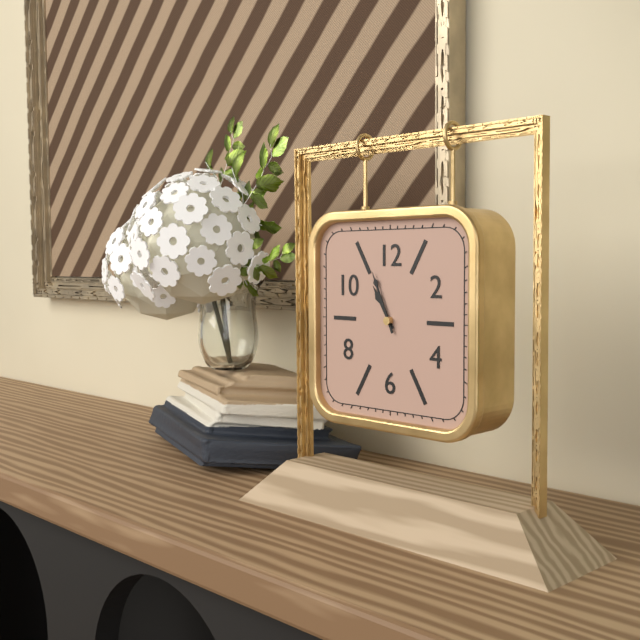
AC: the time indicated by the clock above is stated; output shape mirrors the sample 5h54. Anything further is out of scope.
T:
10h56
